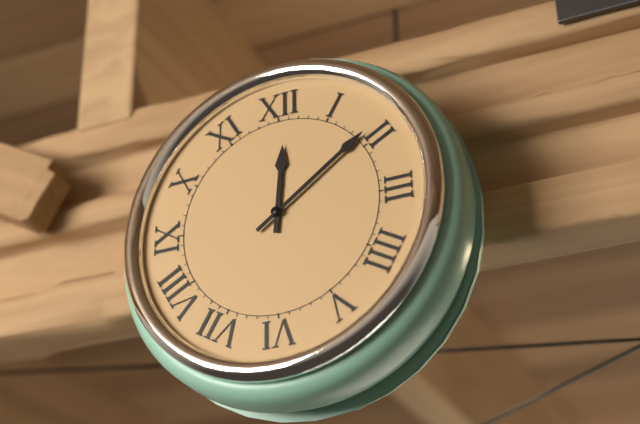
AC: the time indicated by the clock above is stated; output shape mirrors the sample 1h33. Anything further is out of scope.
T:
12h09
